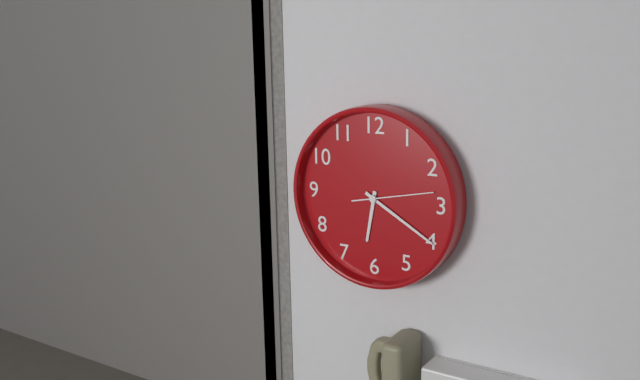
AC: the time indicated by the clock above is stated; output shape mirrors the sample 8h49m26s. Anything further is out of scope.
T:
6h20m13s
